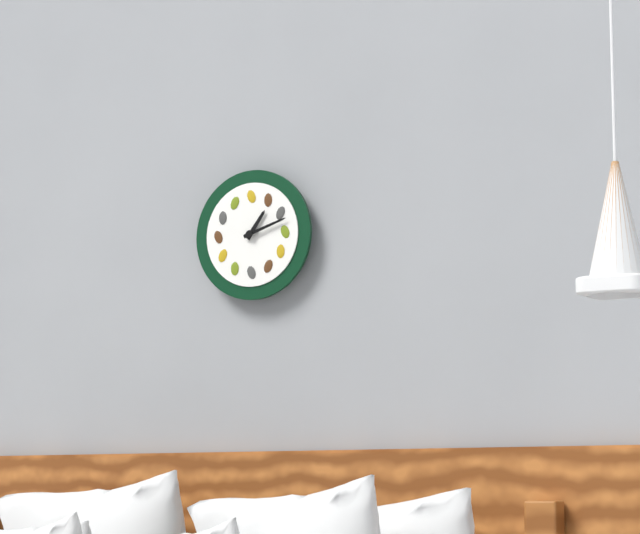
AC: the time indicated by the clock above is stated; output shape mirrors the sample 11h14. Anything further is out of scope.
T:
1h12
